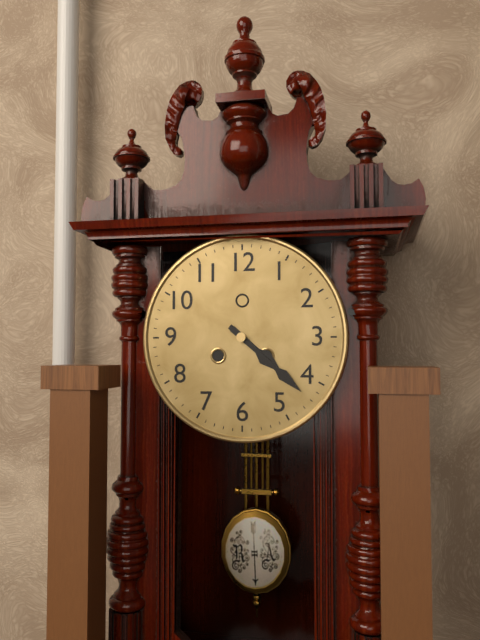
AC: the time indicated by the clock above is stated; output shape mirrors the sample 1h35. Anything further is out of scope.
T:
4h22
